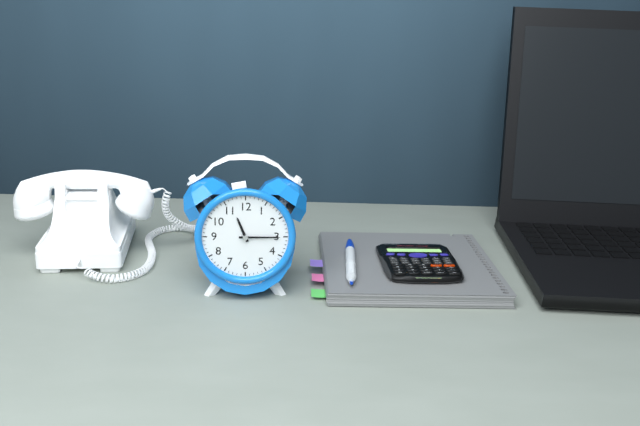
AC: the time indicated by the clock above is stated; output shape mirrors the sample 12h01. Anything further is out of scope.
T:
11h15
